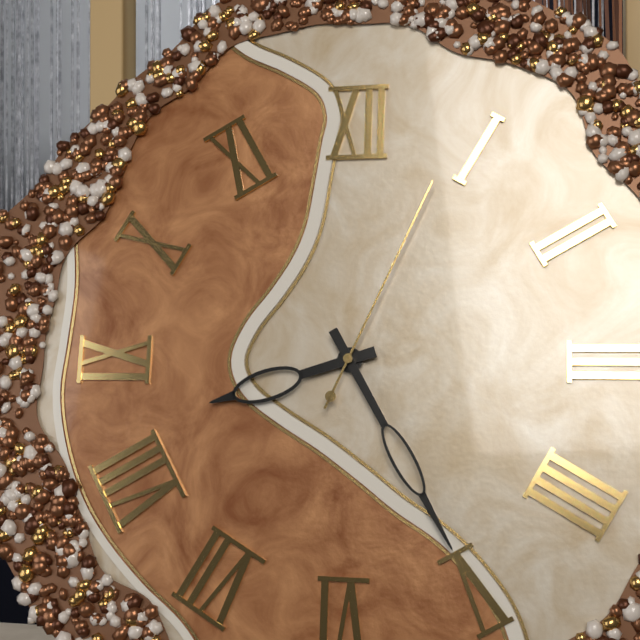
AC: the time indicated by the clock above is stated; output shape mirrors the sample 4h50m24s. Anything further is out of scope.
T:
8h25m04s
